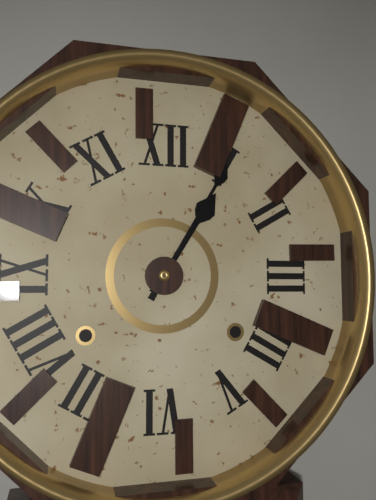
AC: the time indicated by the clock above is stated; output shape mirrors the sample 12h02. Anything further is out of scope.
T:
1h05
